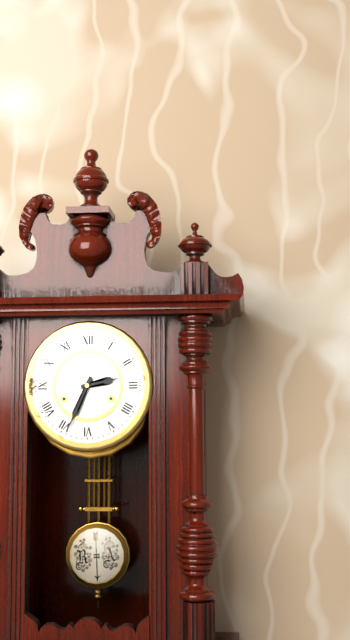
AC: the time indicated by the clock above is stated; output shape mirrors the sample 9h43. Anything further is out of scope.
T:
2h34
